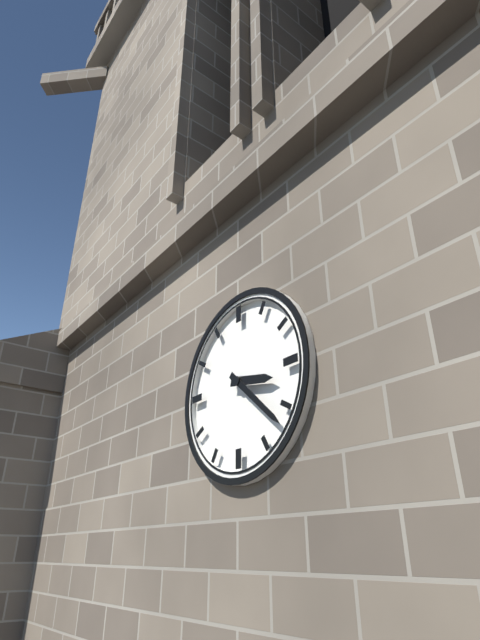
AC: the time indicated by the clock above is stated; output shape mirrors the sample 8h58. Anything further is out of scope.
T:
3h22
